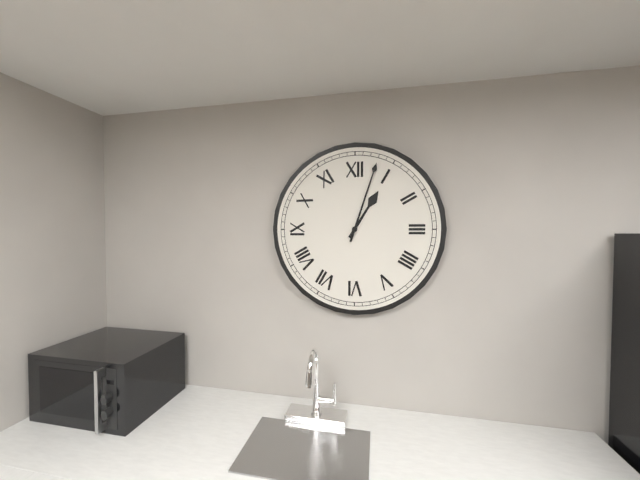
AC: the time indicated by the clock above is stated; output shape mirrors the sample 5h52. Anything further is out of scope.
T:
1h03
